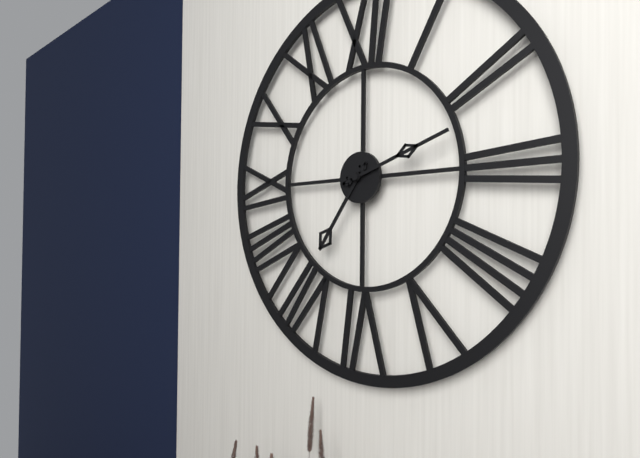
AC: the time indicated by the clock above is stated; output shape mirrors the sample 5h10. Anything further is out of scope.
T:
7h12
